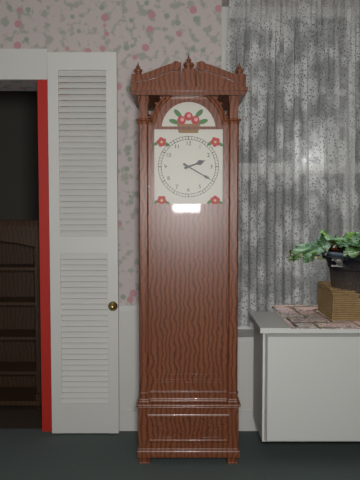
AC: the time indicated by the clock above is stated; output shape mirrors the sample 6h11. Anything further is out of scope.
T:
2h20
